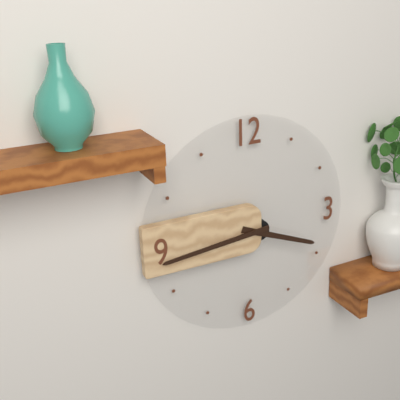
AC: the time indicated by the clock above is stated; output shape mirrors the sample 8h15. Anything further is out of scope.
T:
3h44
